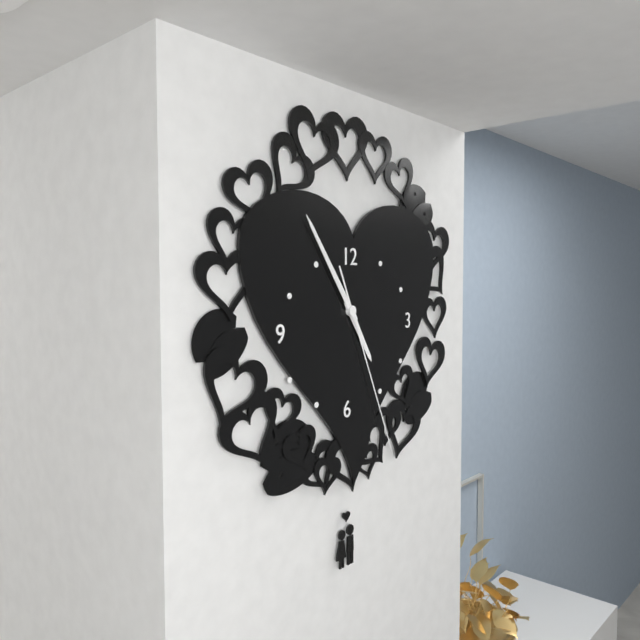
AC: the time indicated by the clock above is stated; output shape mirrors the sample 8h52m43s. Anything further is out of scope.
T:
4h54m26s
